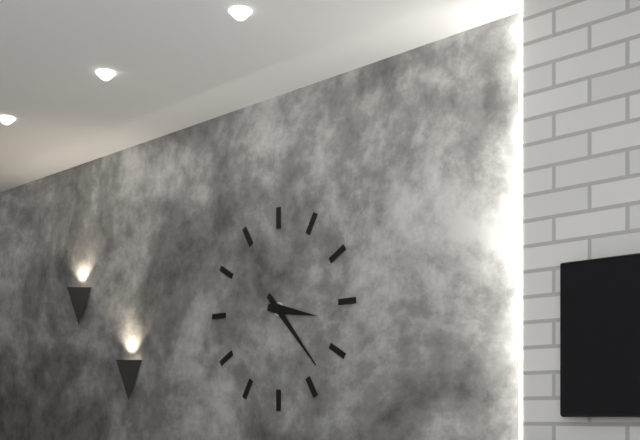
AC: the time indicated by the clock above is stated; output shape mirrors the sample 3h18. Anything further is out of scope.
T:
3h23
